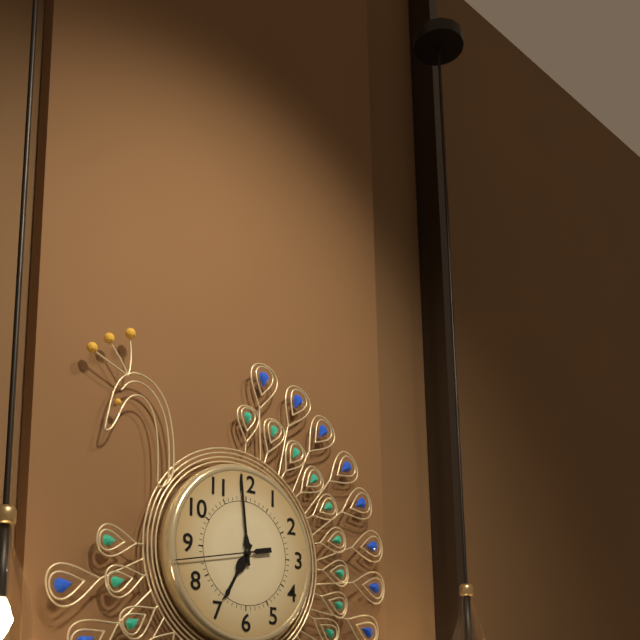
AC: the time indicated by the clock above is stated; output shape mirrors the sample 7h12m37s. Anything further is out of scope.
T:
6h59m43s
